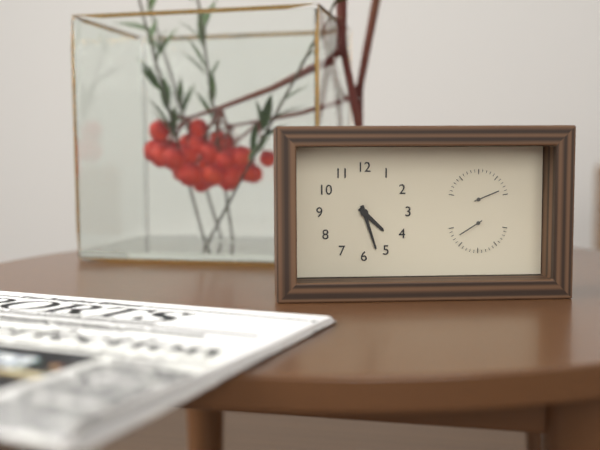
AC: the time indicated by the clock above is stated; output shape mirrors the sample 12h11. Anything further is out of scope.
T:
4h27
